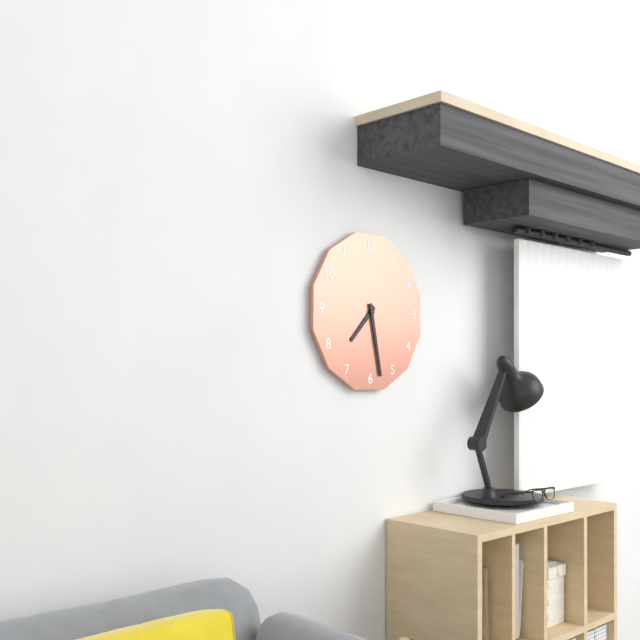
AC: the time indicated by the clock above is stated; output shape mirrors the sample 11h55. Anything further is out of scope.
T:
7h28
